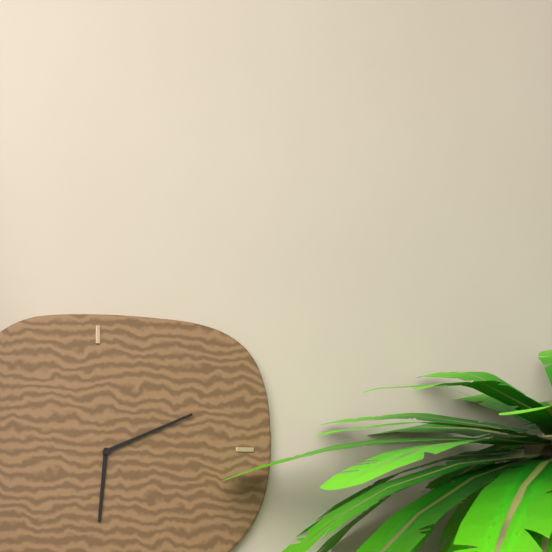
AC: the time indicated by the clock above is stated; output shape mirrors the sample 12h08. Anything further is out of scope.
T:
6h11
